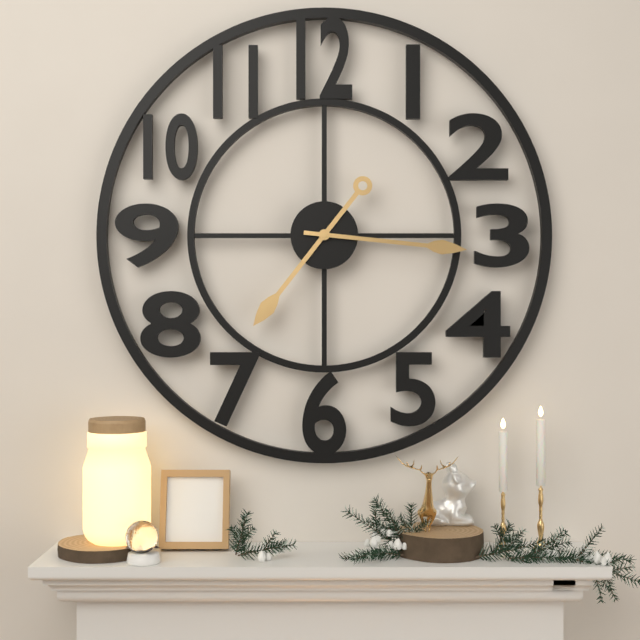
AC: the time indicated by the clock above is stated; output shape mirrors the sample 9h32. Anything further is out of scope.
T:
7h16
